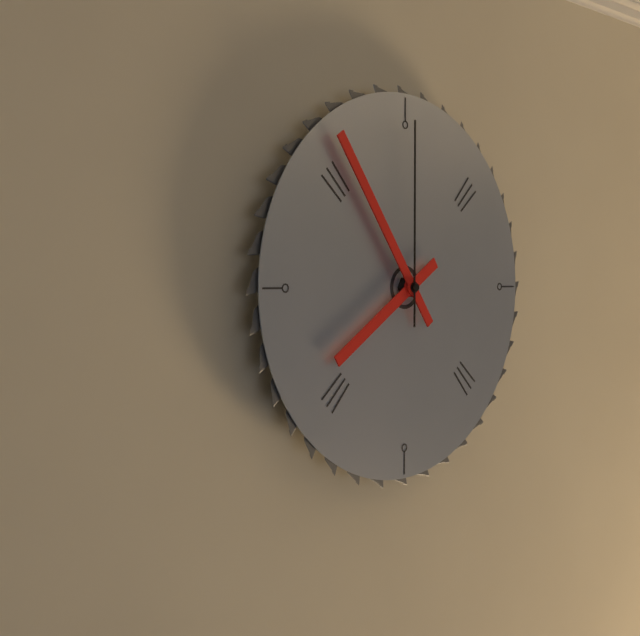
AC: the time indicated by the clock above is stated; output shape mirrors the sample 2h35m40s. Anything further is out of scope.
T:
7h54m00s
